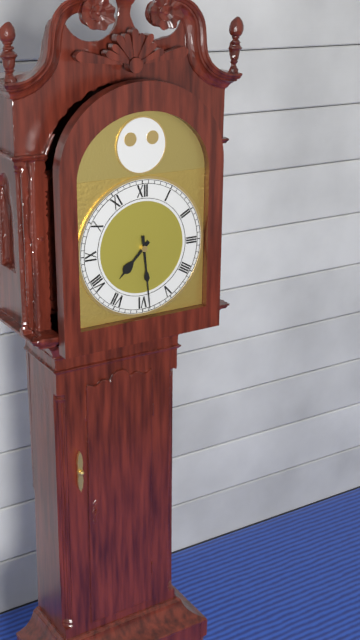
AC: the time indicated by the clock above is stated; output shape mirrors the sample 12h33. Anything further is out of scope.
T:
7h29
